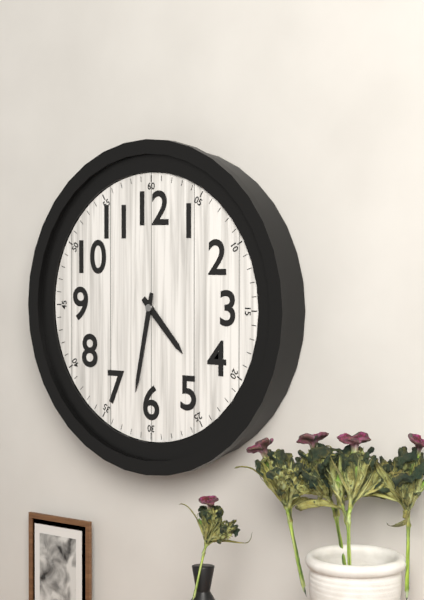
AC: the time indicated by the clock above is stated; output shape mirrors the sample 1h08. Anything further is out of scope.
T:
4h32
